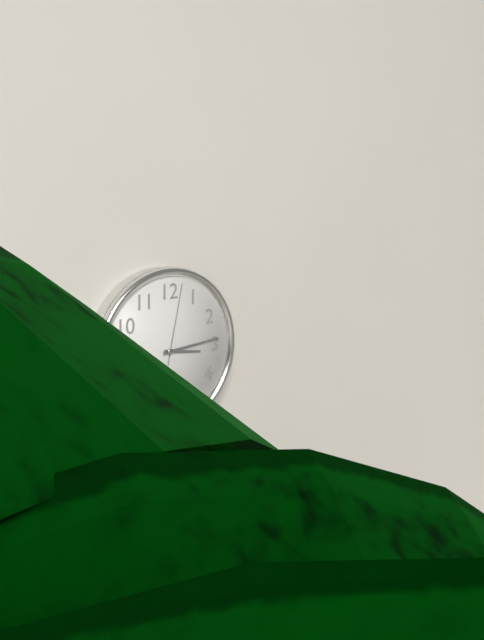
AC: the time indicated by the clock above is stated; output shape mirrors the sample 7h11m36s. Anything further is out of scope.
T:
3h14m02s
